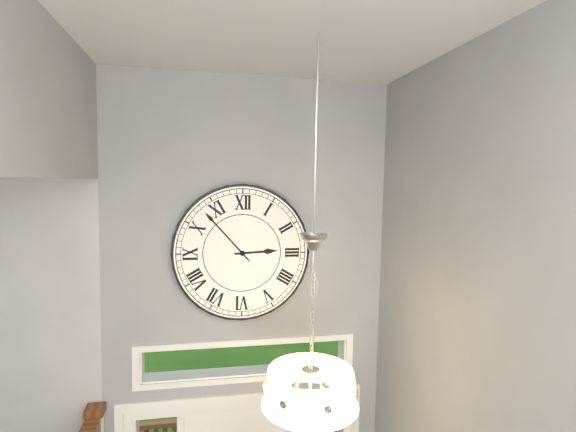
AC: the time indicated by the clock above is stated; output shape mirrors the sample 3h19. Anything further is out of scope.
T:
2h53
